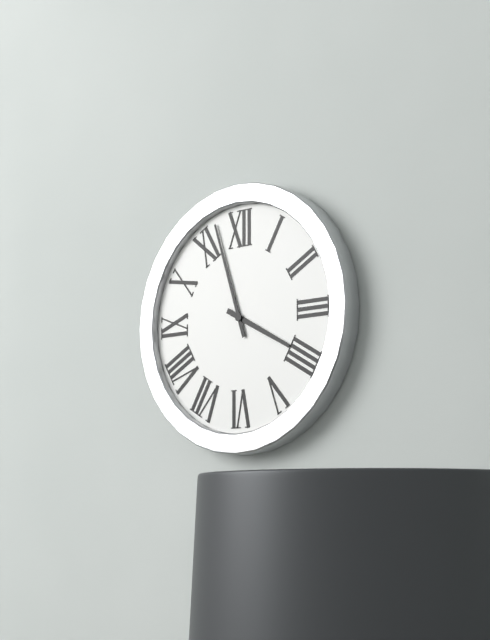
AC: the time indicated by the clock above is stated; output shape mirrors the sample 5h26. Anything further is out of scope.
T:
3h57
